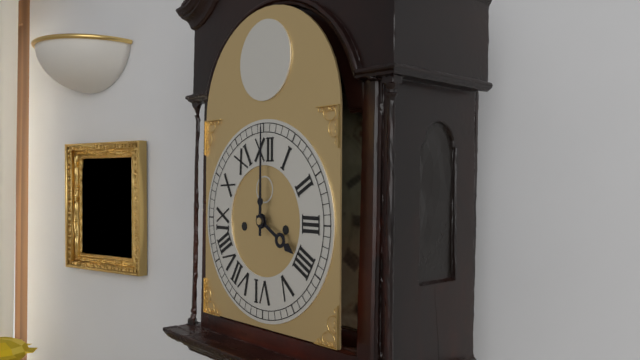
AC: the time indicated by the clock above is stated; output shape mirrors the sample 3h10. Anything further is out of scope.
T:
4h00
